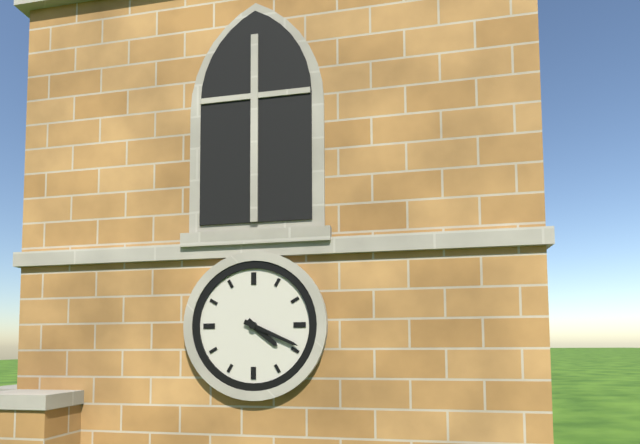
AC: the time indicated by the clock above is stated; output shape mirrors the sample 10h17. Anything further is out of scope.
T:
4h19
